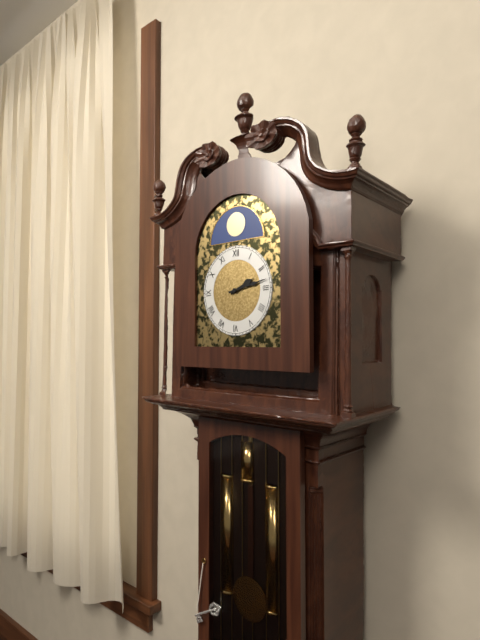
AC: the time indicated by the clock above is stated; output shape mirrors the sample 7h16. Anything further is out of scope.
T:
2h13
